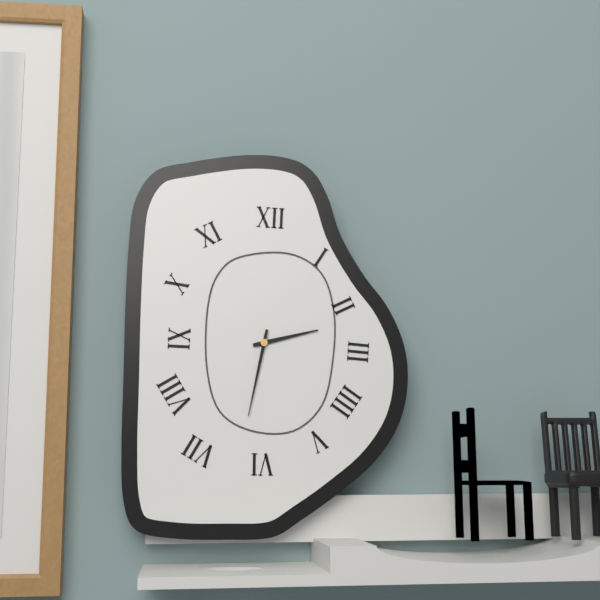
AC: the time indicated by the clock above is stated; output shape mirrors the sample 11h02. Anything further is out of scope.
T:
2h32
